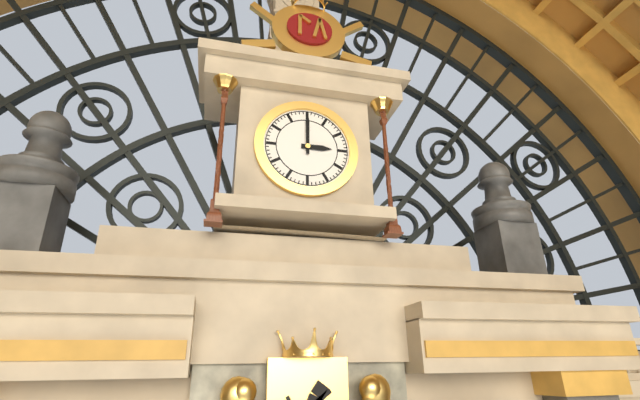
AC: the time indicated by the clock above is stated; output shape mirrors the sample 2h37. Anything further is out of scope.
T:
3h00
